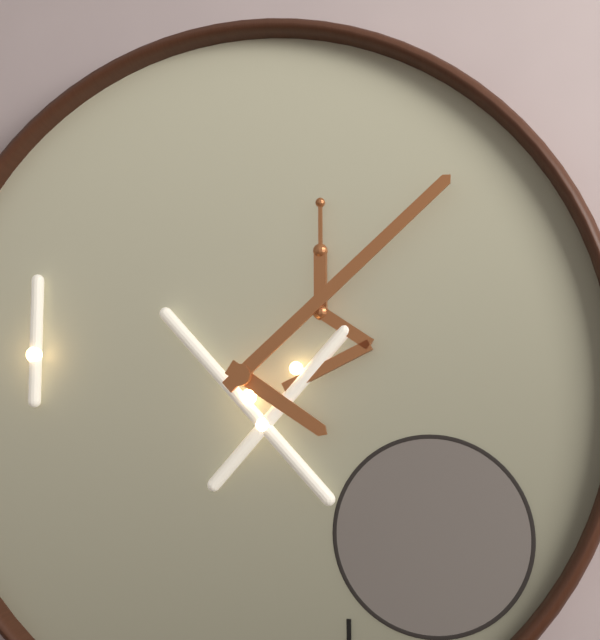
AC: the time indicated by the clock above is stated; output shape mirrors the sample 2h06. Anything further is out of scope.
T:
4h08
